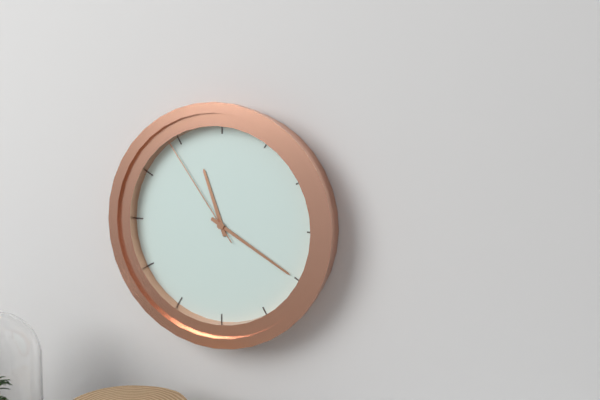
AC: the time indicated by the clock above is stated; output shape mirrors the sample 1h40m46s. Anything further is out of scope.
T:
11h20m54s
